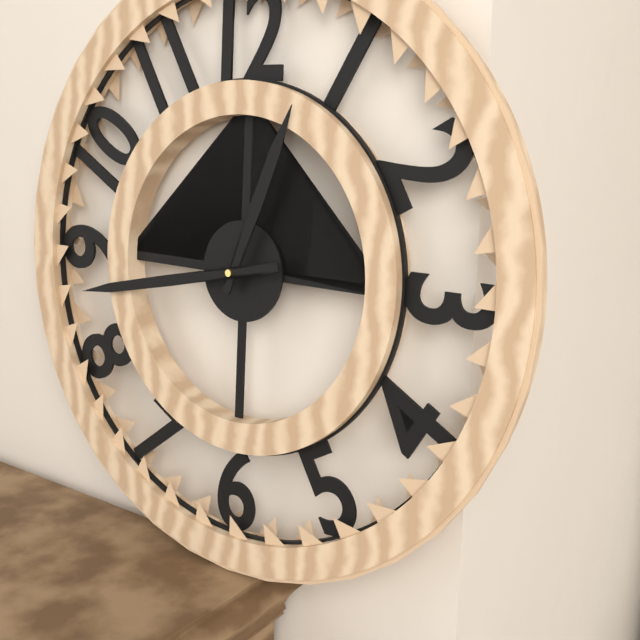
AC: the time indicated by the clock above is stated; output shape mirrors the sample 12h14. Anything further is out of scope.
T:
12h43
